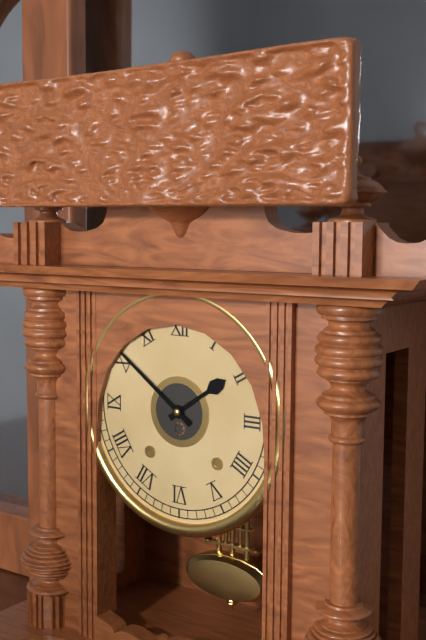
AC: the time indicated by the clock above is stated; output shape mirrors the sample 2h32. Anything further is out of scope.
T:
1h51
